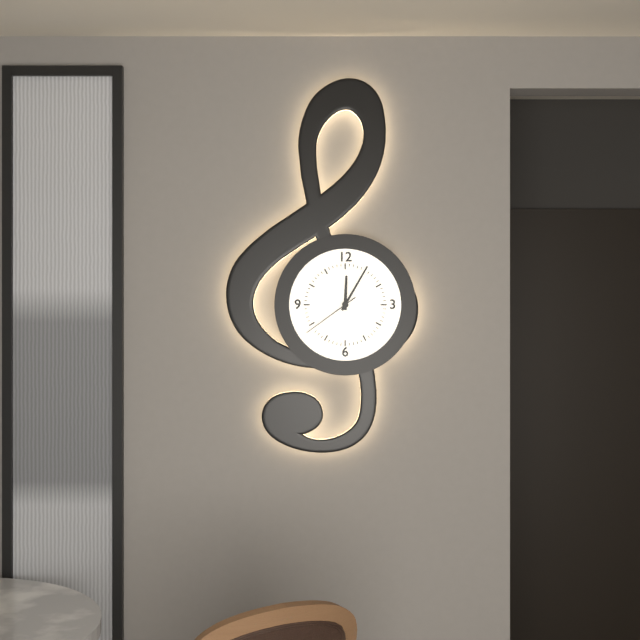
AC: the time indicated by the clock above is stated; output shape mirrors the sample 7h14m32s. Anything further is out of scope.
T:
12h05m39s
